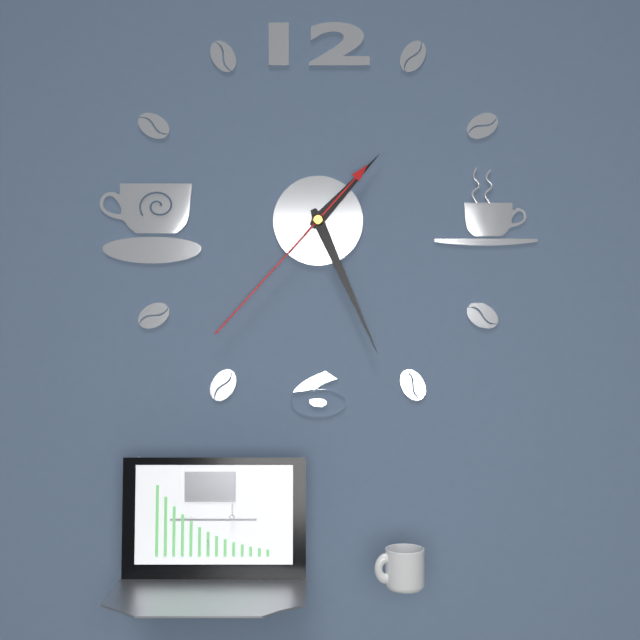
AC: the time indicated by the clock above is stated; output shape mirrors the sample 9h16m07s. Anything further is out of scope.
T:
1h26m37s
